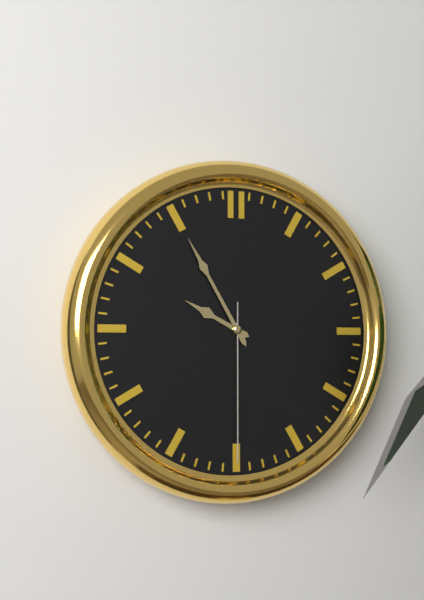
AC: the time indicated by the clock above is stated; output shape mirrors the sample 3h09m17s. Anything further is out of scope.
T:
9h55m30s
